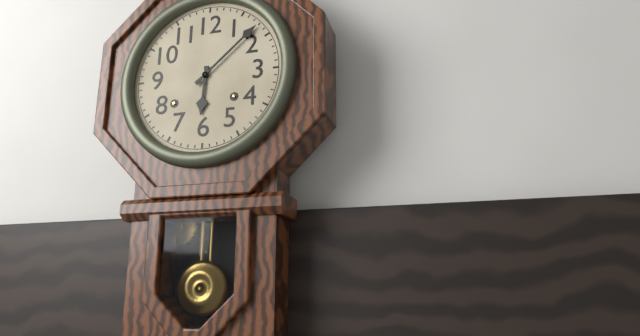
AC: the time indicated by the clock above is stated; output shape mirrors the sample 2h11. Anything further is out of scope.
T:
6h08
